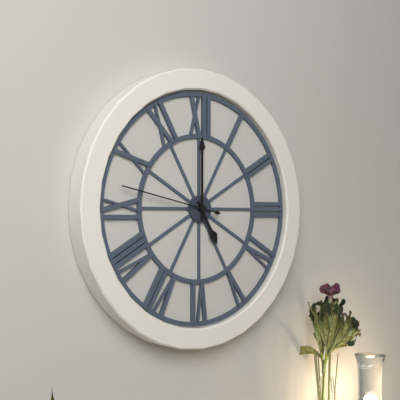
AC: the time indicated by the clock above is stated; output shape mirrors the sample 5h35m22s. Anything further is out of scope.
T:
5h00m47s
